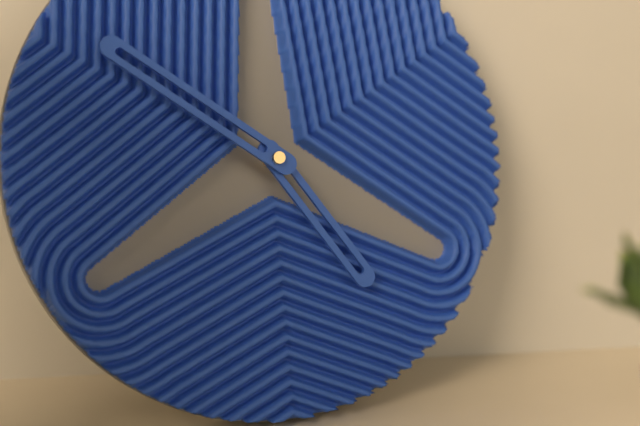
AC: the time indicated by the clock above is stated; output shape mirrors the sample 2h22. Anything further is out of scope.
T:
4h51
